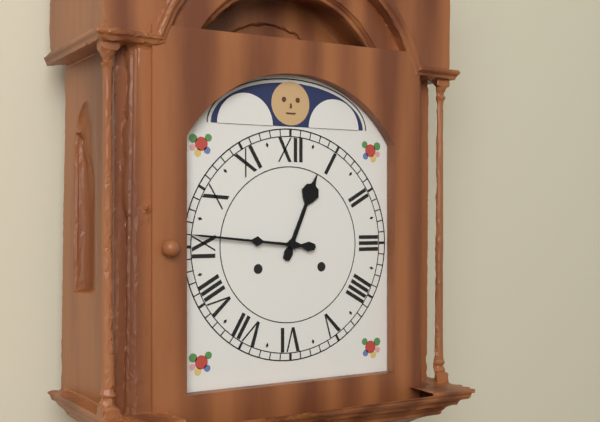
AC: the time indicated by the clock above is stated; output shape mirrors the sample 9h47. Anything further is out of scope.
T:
12h46
